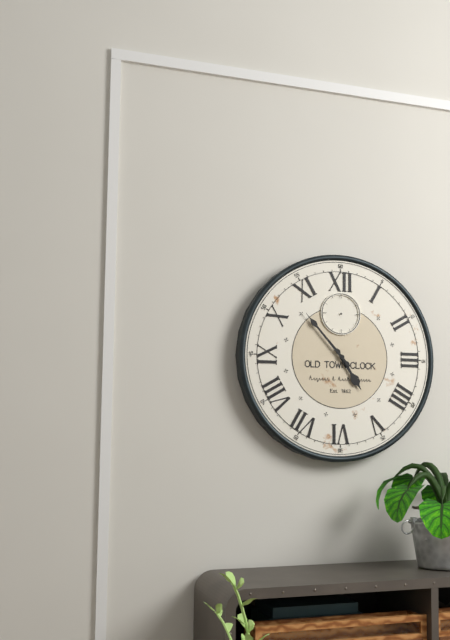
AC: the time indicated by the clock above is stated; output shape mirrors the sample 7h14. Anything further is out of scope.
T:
4h53
